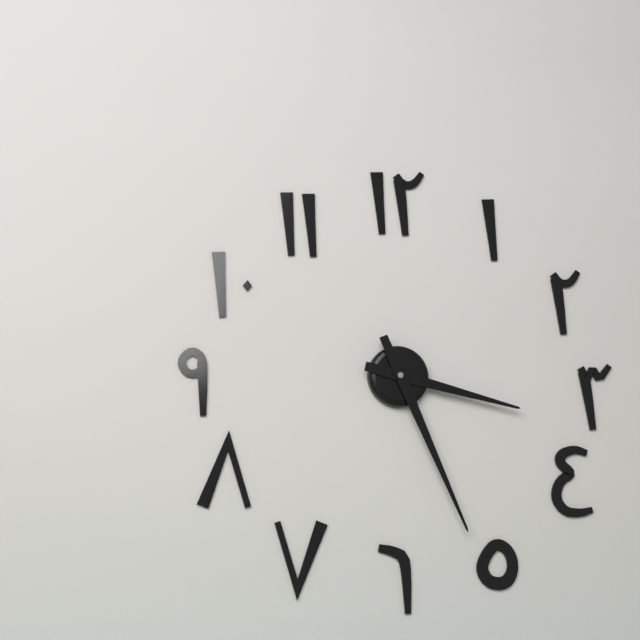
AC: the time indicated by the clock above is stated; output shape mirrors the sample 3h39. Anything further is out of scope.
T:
3h26
